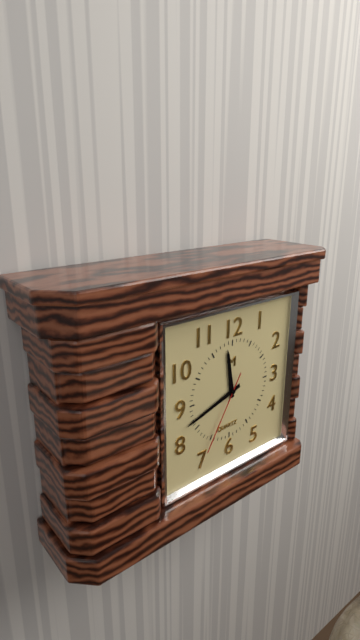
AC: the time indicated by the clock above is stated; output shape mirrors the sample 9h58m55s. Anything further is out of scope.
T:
11h42m35s
